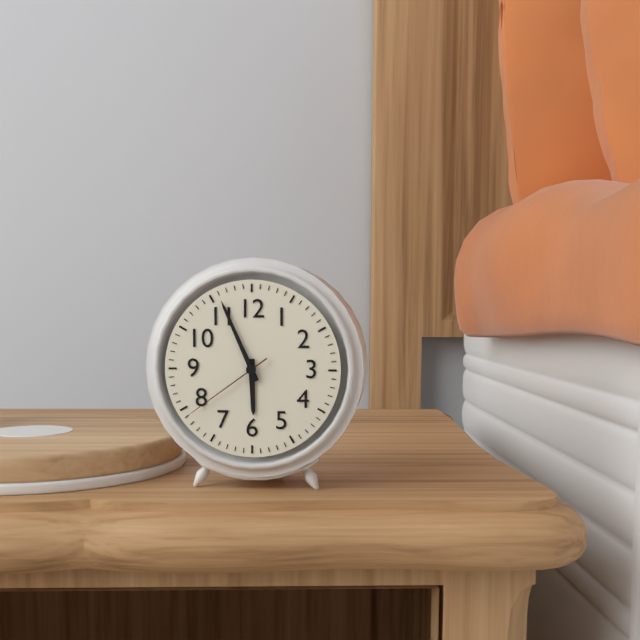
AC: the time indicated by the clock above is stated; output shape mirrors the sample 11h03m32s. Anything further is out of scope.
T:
5h56m39s
